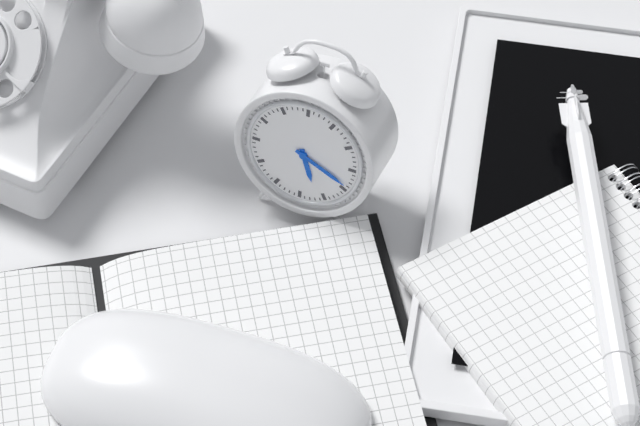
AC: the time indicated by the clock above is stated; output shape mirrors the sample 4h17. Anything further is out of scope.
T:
5h19
